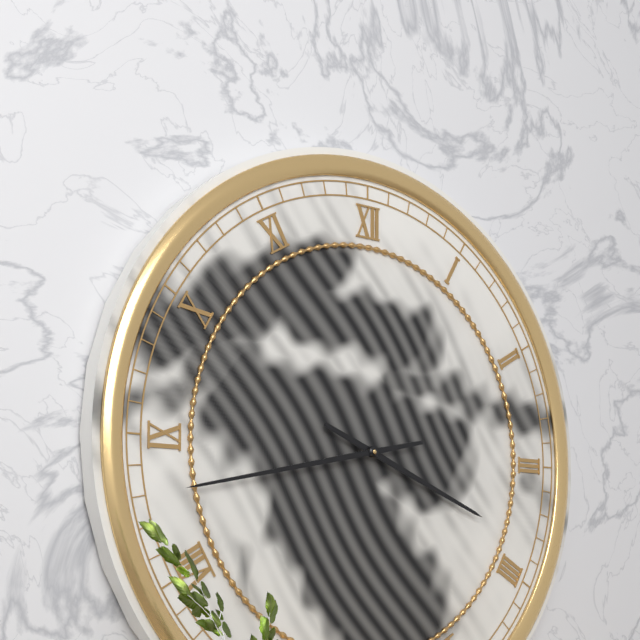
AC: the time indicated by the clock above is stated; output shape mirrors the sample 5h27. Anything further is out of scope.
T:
3h43
